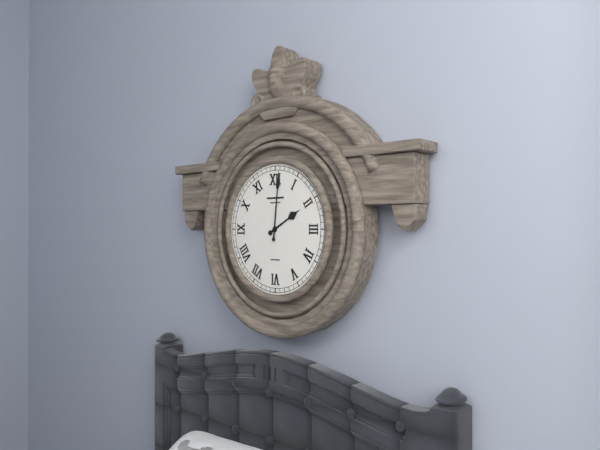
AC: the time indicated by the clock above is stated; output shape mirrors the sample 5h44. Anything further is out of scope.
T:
2h01
